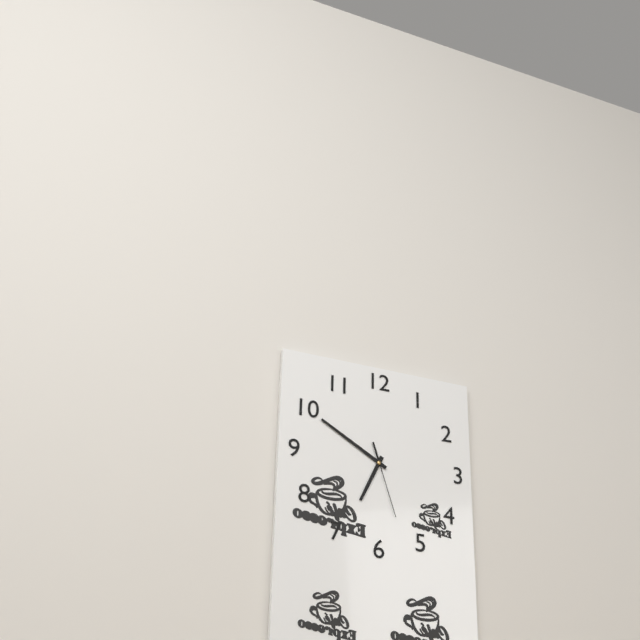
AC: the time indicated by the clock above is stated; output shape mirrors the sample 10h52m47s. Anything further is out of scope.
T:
6h50m27s
